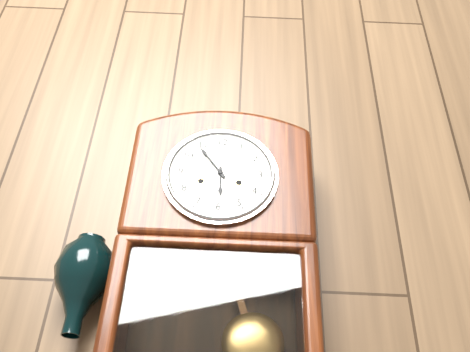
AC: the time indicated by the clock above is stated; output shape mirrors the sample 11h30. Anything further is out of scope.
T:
5h54
